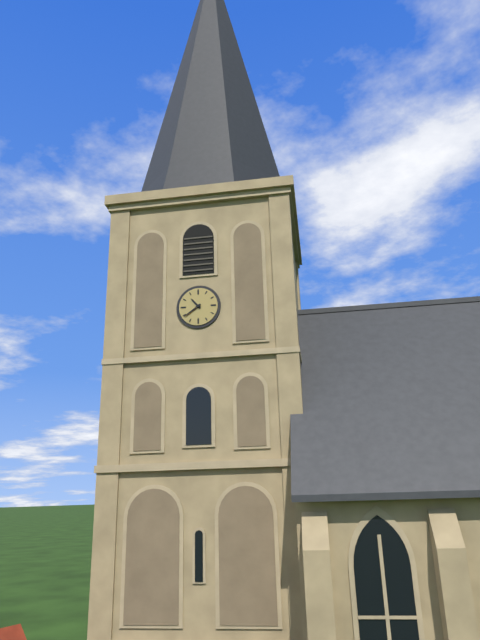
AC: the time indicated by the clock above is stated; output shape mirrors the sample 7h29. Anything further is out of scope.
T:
10h39
